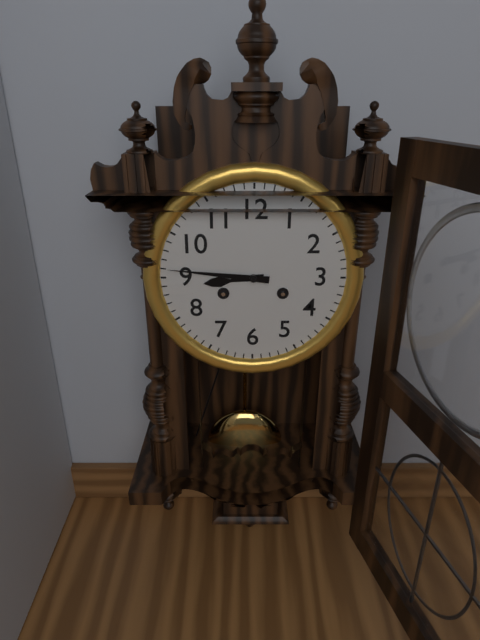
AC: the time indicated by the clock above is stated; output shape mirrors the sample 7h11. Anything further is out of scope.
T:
8h46
